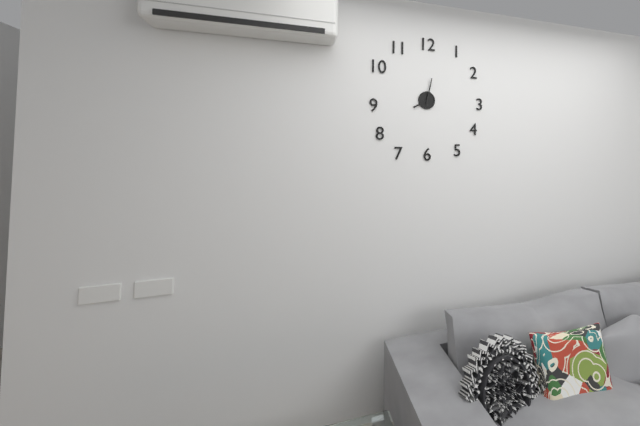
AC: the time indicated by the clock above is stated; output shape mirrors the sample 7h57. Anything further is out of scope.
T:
8h02
